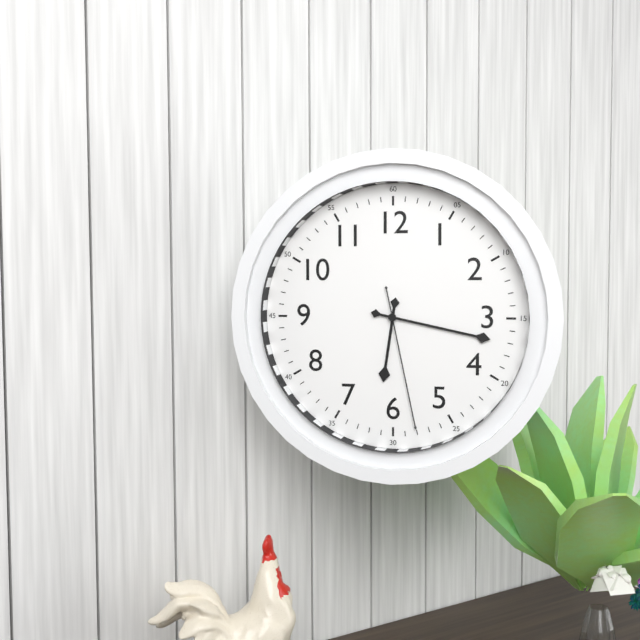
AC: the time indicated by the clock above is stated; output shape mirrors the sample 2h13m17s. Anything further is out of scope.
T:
6h17m28s
